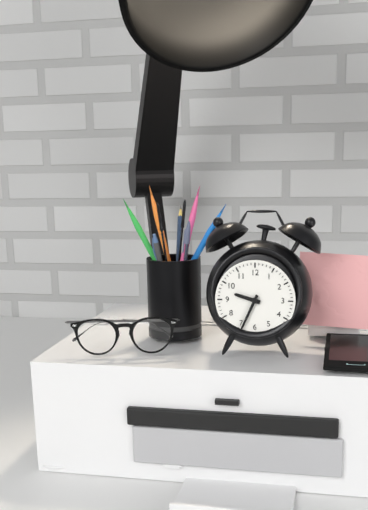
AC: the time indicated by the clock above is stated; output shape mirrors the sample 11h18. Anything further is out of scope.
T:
9h34
